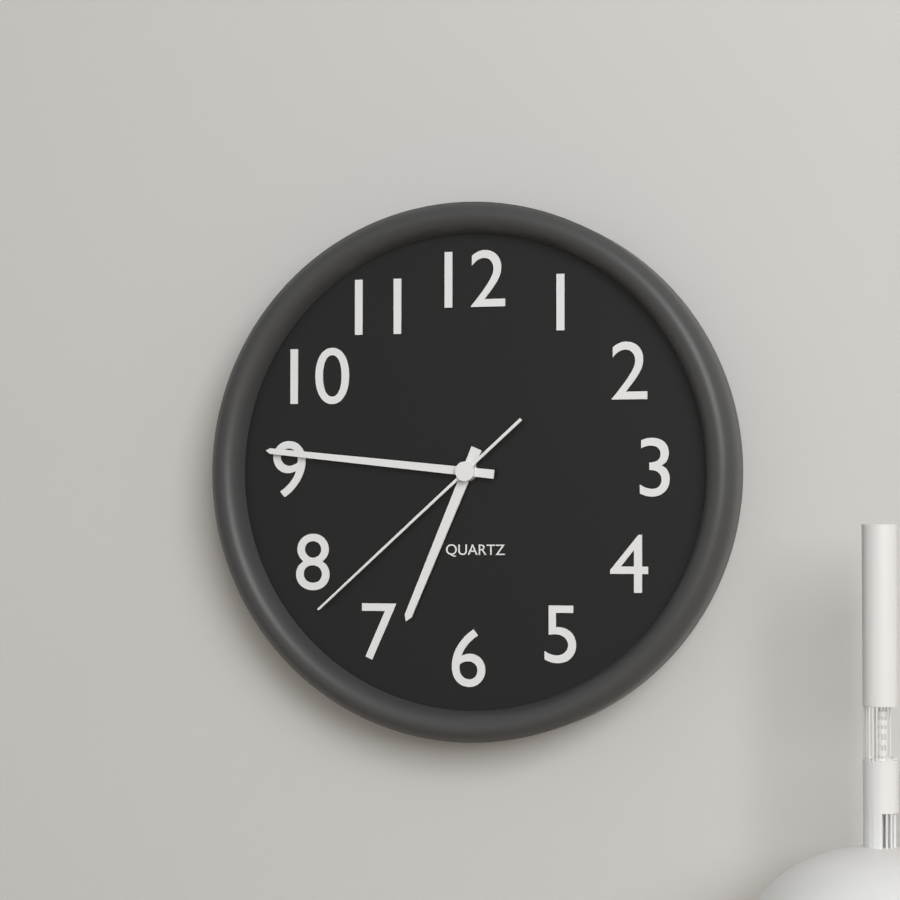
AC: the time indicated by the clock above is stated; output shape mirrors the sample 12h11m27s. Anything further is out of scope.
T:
6h46m38s
